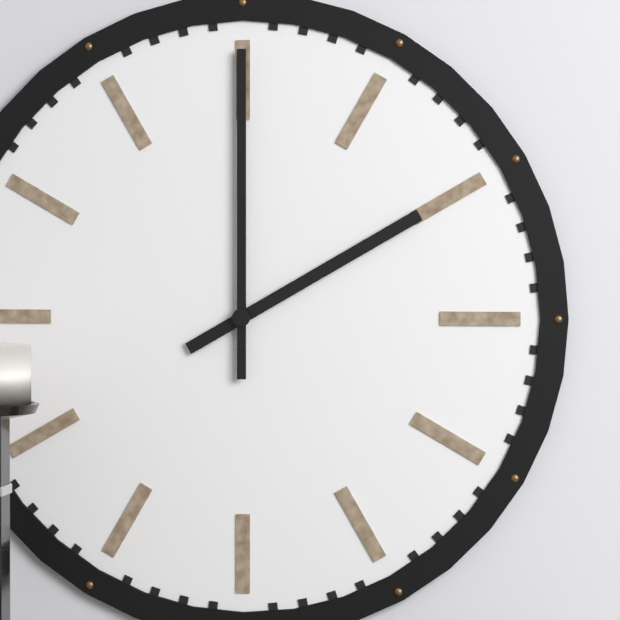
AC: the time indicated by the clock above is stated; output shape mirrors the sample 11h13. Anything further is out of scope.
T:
2h00
